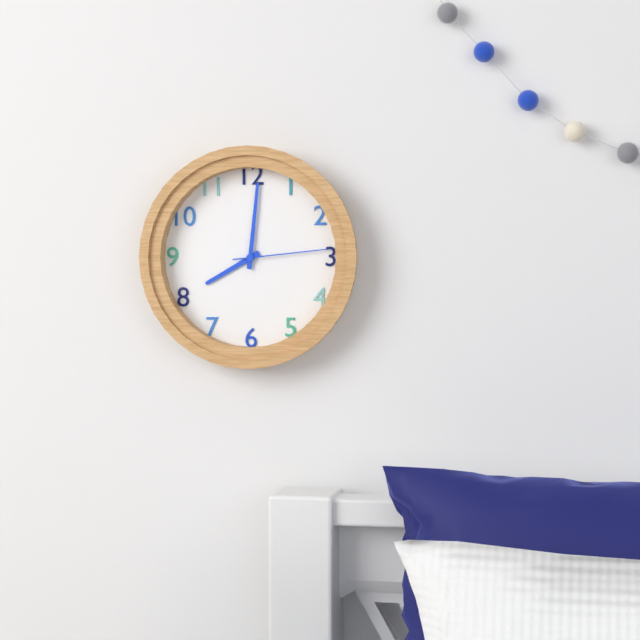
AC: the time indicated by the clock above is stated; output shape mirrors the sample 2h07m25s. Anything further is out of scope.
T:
8h01m14s
